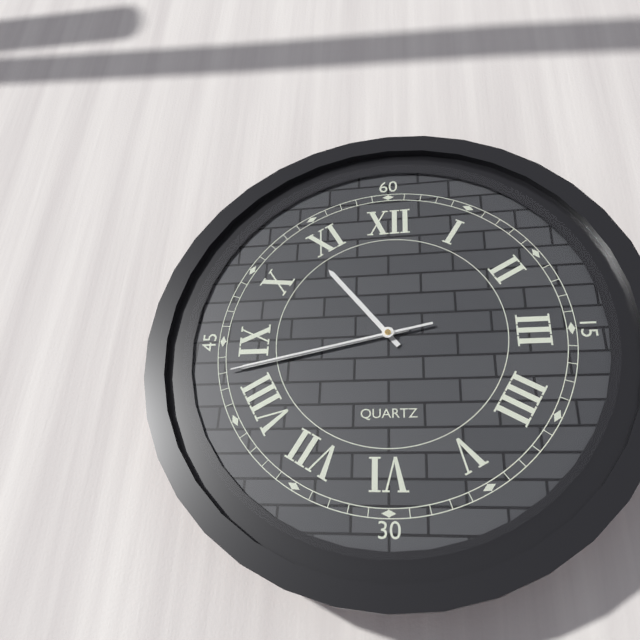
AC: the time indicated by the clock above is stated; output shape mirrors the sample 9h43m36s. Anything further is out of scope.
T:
10h43m43s
